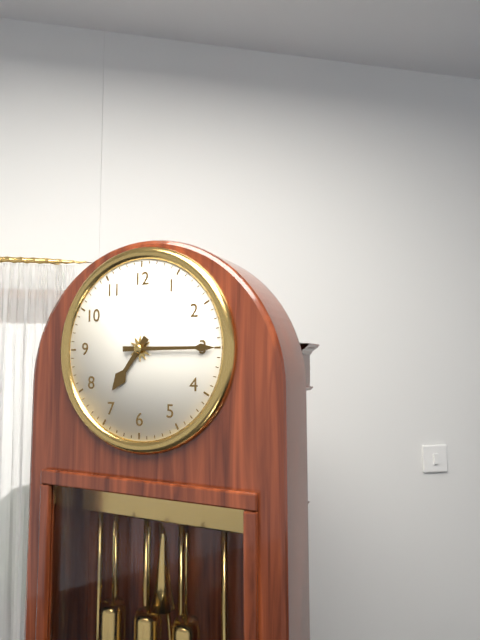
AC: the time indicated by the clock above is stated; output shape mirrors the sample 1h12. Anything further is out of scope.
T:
7h15
